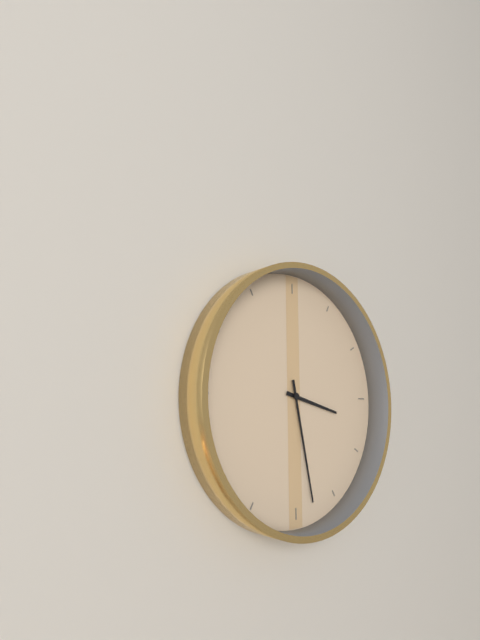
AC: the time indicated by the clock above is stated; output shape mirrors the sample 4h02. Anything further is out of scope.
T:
3h28
